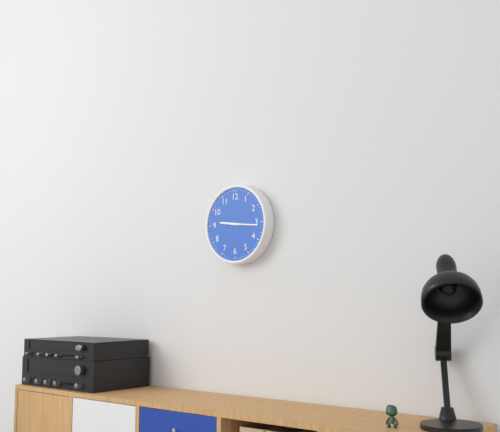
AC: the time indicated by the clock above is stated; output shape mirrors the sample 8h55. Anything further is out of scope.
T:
9h16
